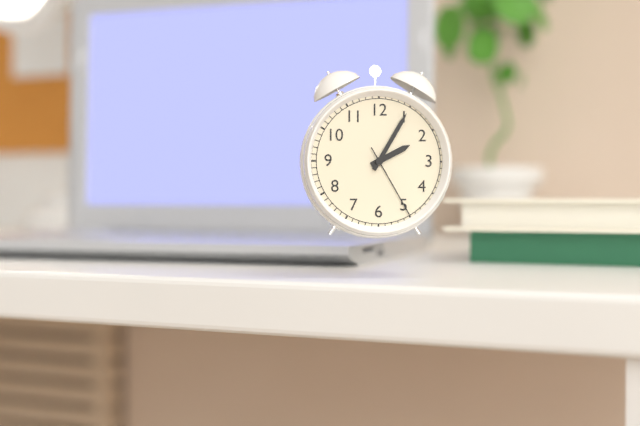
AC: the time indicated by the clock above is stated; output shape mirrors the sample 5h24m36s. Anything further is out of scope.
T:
2h05m25s
